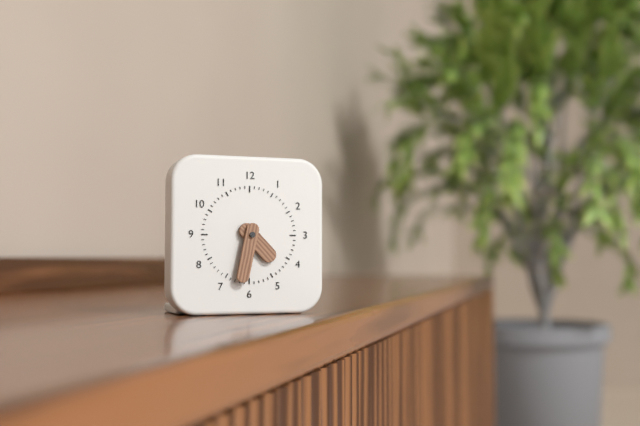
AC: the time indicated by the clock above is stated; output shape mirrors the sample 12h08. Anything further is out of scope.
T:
4h32
